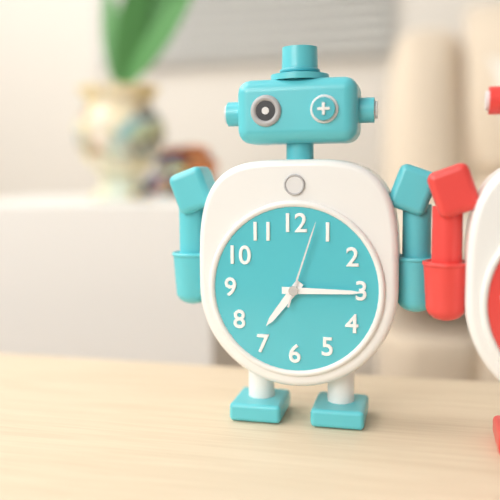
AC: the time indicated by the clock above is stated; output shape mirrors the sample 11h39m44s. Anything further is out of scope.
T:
7h15m03s
